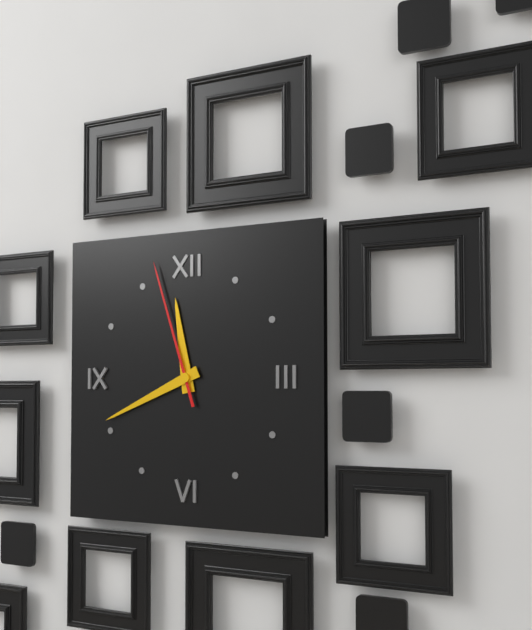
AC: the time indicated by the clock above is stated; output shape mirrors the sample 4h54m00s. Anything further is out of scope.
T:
11h41m57s
